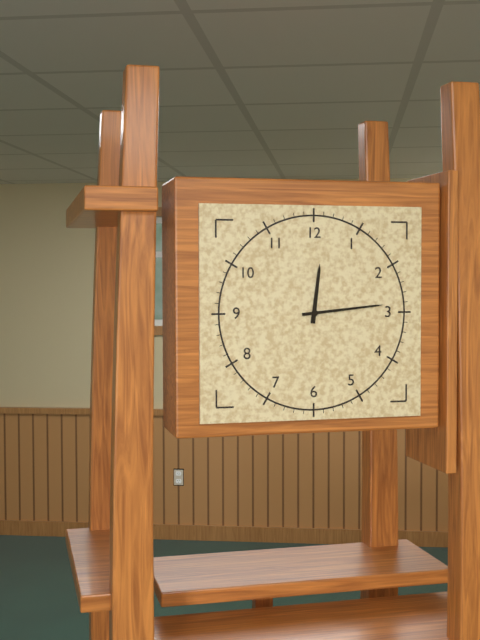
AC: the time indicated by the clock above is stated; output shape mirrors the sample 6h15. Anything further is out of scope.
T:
12h14
